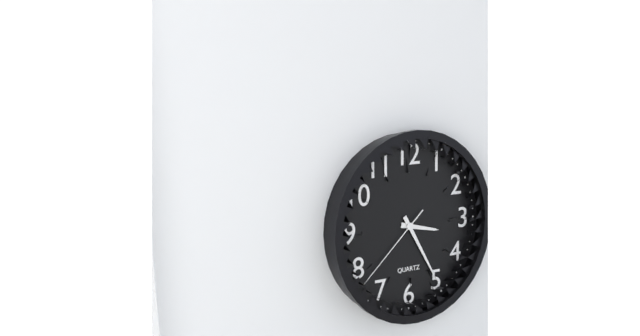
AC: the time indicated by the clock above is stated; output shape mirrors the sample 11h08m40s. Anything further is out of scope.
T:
3h25m38s
